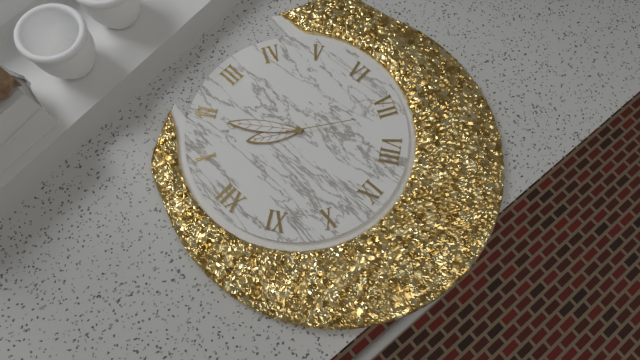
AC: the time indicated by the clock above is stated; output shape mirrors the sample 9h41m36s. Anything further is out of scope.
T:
1h09m36s
